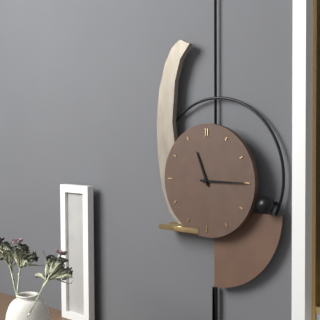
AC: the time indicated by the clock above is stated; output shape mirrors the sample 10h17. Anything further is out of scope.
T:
11h15
